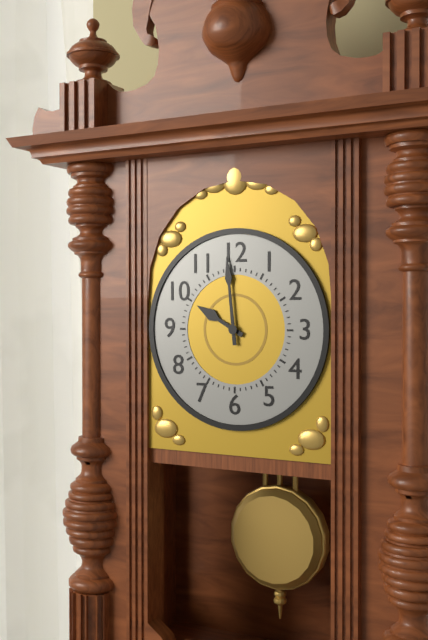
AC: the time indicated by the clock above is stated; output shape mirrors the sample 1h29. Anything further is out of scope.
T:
9h59
